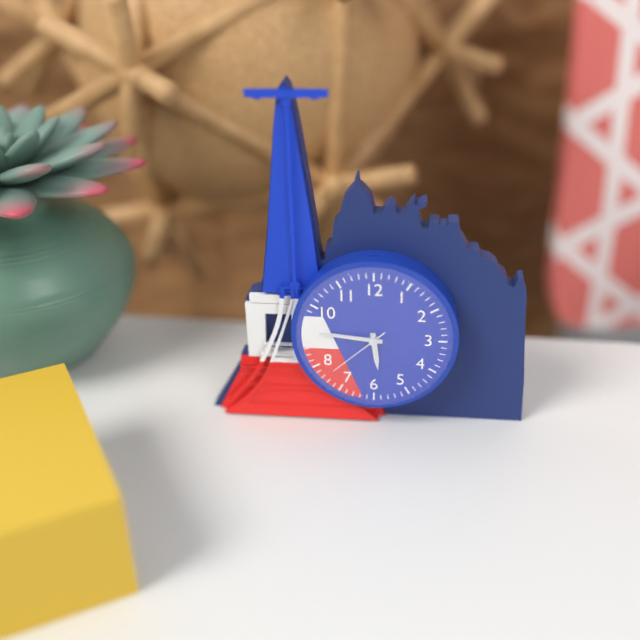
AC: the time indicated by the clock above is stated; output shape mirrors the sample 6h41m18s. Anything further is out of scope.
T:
5h46m38s
